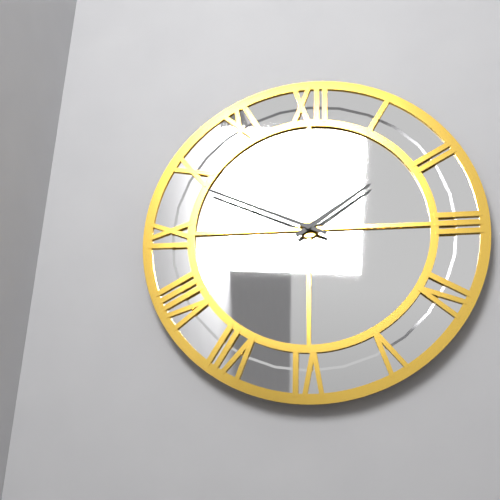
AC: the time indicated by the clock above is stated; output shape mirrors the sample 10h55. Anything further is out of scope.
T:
1h49
